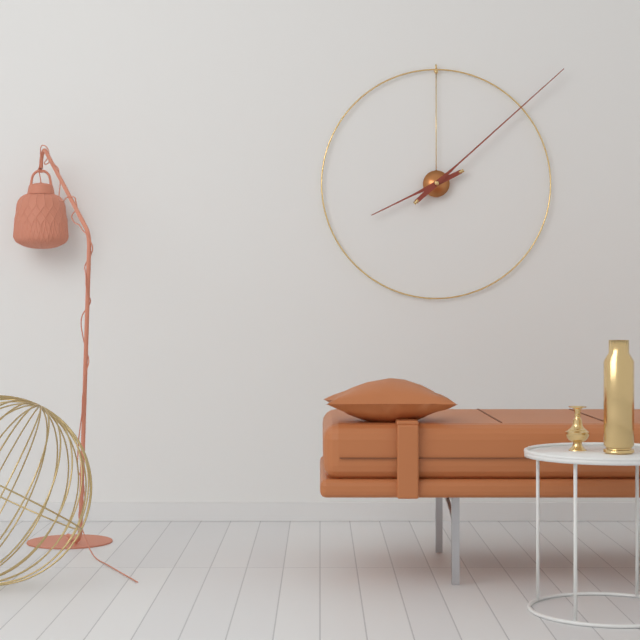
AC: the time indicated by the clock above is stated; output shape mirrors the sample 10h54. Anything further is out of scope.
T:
8h08
